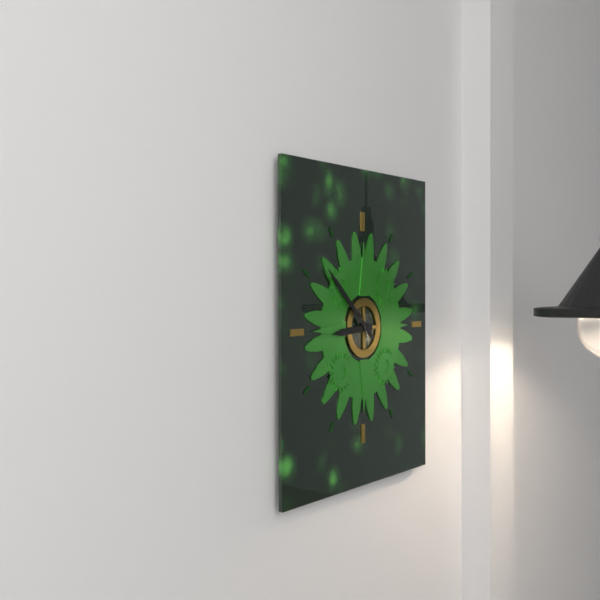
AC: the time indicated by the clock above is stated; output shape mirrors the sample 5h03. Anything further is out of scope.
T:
8h52
